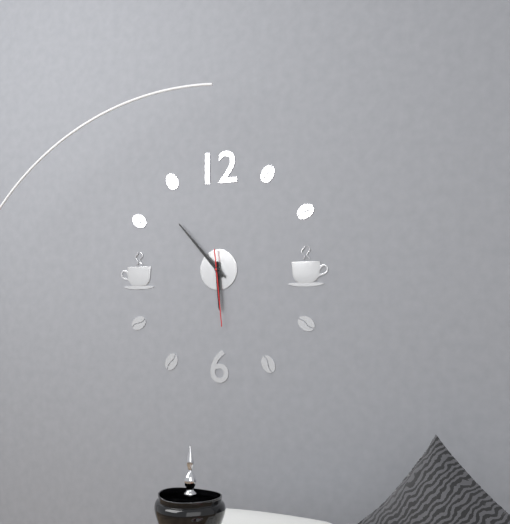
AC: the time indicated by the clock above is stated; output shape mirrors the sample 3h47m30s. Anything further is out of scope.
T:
5h53m29s
